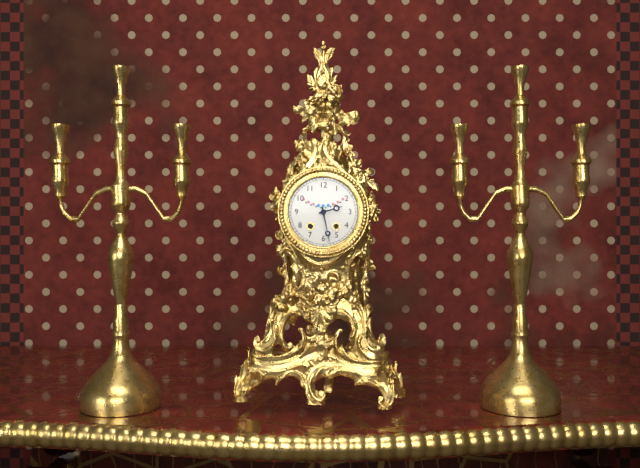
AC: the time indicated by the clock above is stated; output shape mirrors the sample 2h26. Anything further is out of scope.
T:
2h28
